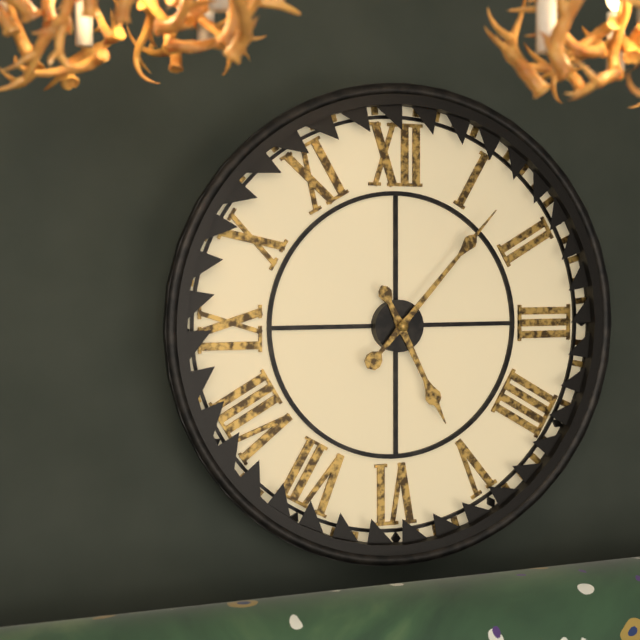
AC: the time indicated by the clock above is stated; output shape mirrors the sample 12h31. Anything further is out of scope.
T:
5h07
